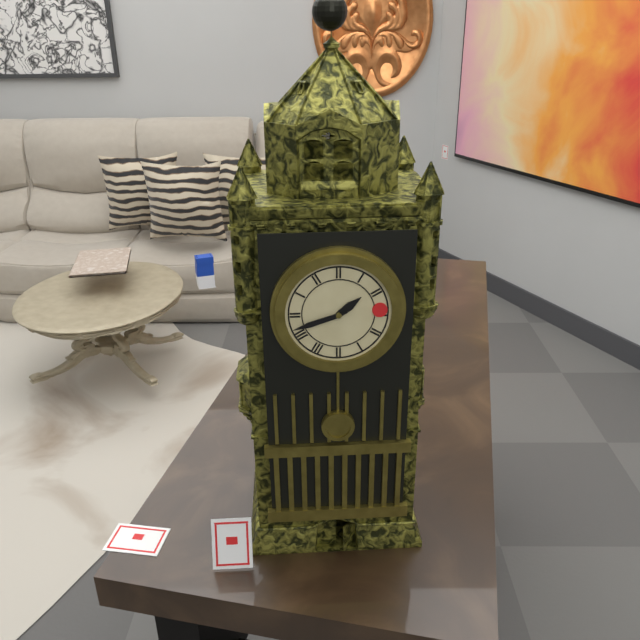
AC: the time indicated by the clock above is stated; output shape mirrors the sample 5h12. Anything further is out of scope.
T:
1h42
